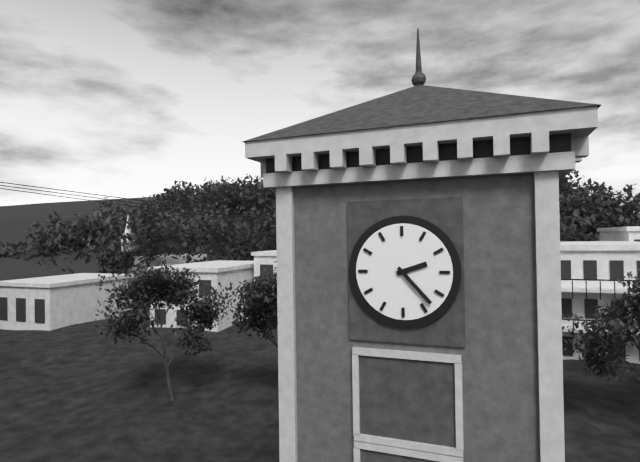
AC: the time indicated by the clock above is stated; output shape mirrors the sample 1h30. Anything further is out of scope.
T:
2h23
